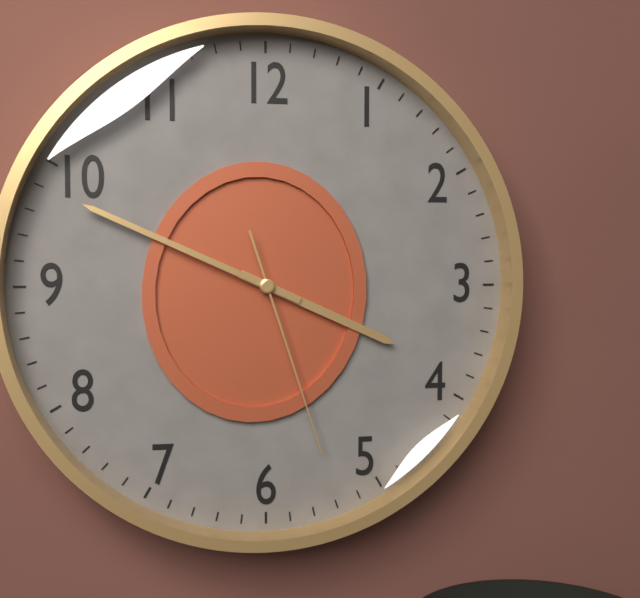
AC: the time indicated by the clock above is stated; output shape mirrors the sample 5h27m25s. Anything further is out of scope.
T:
3h49m27s
